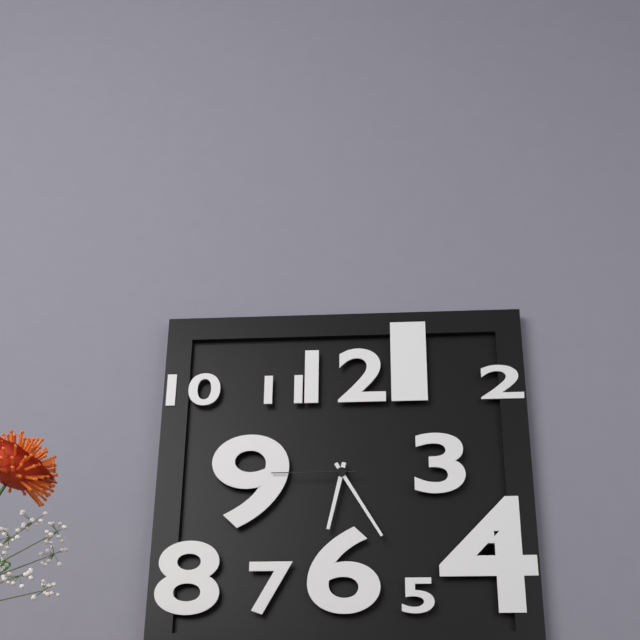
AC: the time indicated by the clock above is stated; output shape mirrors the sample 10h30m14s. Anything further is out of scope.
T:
6h25m45s
